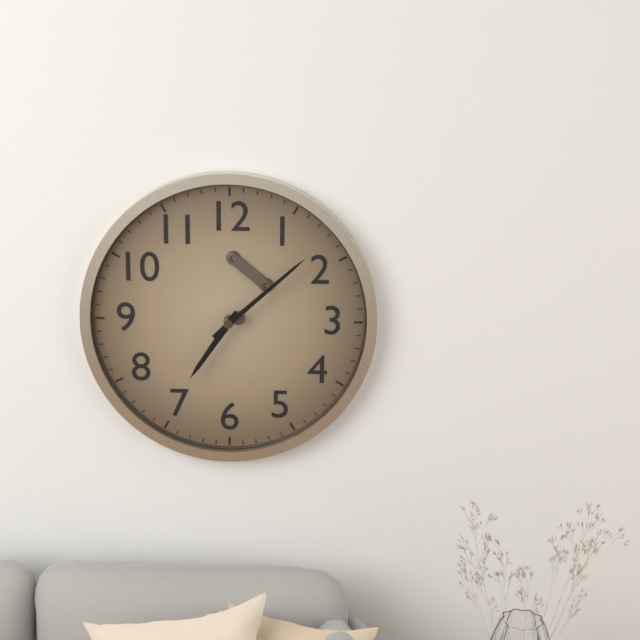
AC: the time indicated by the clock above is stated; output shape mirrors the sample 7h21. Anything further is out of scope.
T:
7h08
